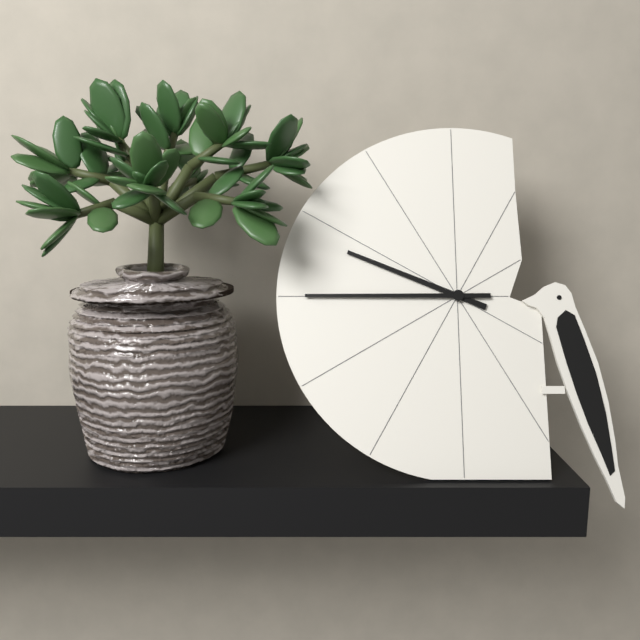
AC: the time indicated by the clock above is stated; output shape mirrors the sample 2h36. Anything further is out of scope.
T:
9h45
